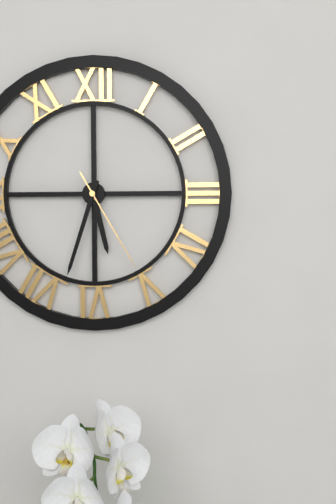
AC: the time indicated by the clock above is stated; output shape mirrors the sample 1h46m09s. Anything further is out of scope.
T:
5h33m25s
